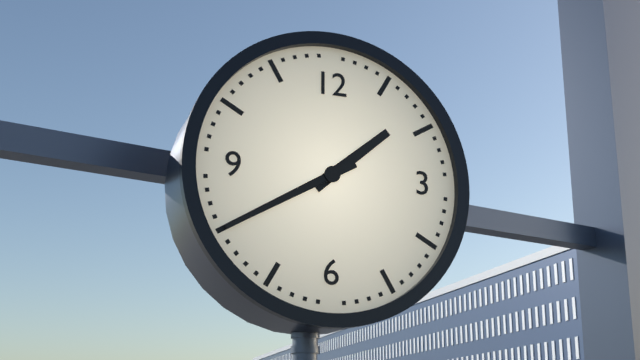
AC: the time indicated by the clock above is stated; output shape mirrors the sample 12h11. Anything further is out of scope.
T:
1h40
